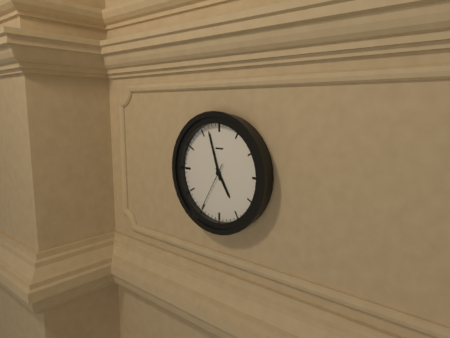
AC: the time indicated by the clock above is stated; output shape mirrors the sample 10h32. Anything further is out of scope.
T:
4h57
